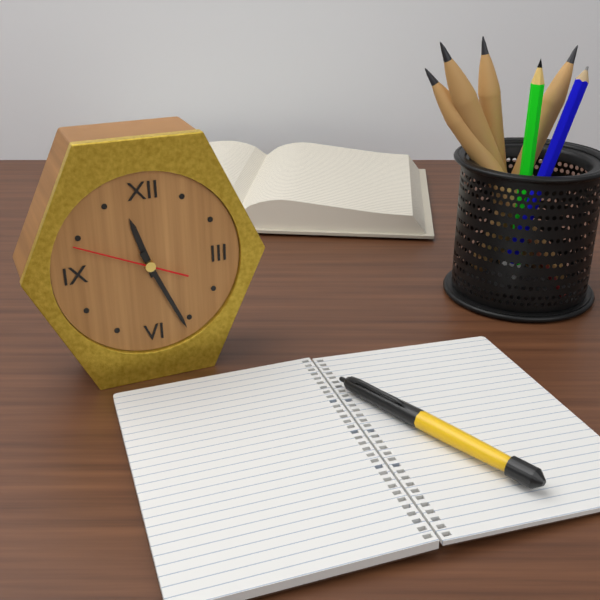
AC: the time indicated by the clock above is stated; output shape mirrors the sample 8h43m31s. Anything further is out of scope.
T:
11h26m49s
